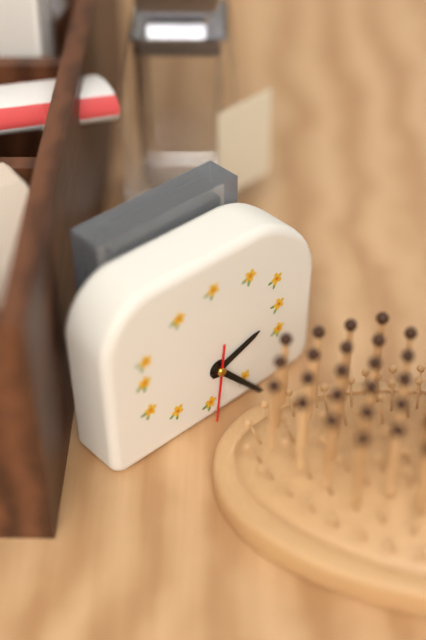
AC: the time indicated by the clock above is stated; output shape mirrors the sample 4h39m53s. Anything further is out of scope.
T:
2h23m31s
